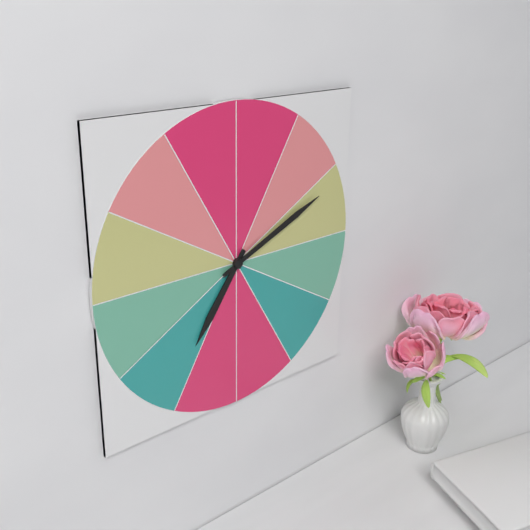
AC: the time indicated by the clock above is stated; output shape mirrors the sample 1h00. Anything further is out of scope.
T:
7h11
